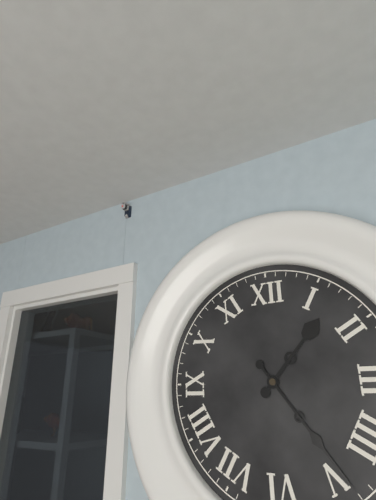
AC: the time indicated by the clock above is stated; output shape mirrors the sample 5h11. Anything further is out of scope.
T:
1h24
